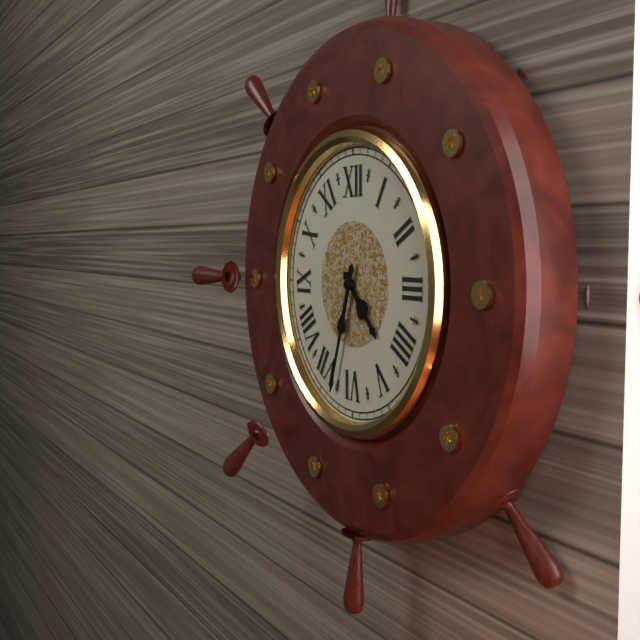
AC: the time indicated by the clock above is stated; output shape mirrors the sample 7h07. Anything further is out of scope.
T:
4h33
